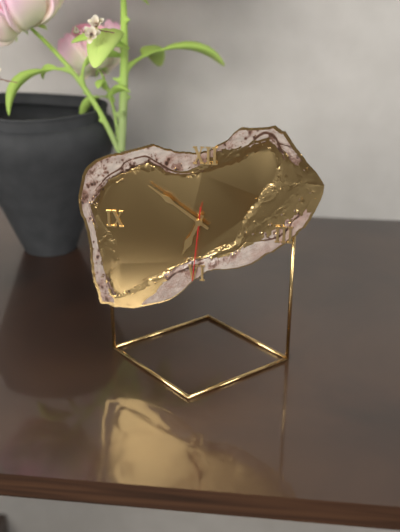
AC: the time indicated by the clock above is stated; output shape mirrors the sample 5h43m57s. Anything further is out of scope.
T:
6h51m31s
